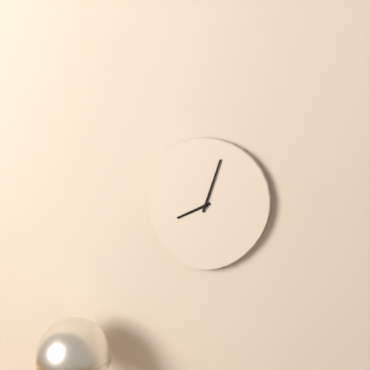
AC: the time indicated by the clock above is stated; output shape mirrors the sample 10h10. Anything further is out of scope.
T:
8h03
